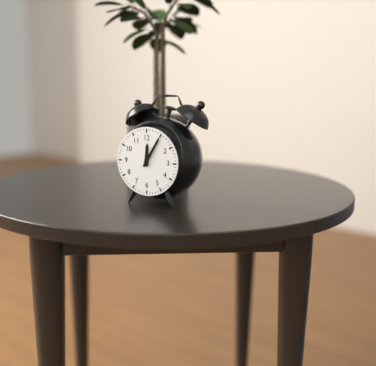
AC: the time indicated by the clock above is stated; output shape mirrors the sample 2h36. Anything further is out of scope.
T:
12h05
